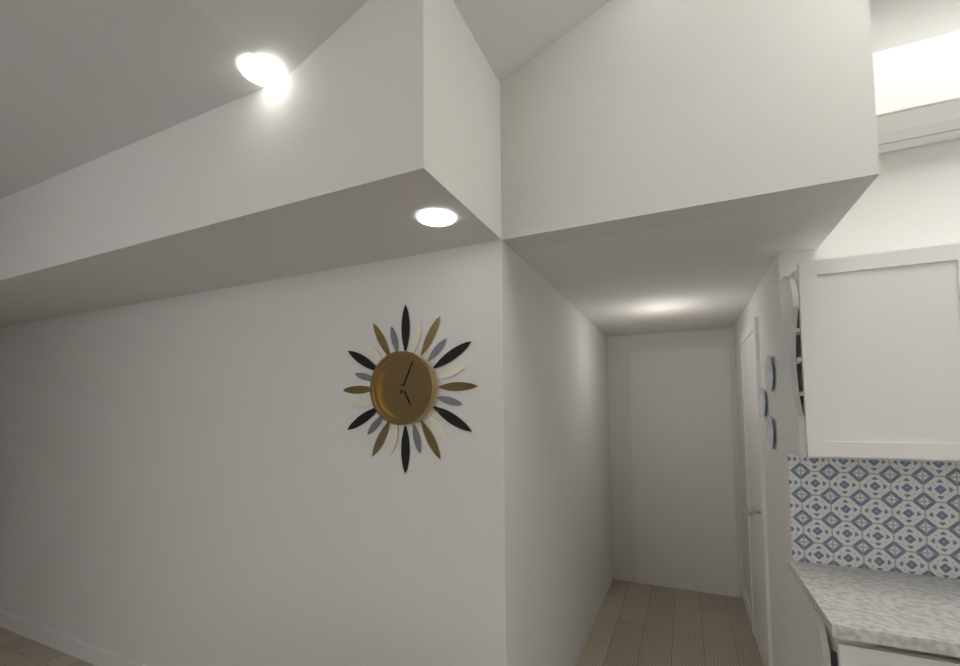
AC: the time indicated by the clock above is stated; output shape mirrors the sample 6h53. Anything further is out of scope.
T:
5h04
